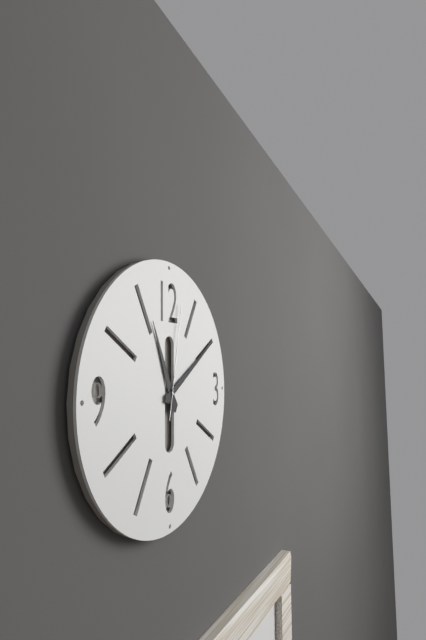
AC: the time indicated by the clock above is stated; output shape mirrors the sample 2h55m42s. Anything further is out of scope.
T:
11h10m02s
